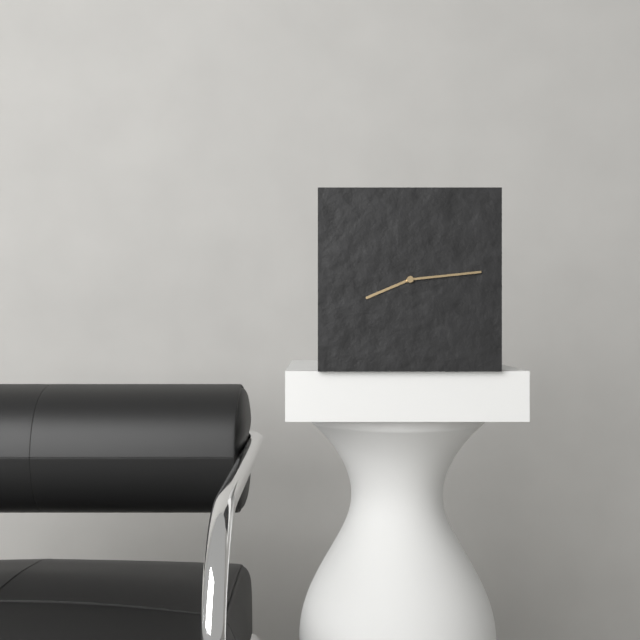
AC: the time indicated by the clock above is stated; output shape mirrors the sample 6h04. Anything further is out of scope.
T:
8h14
